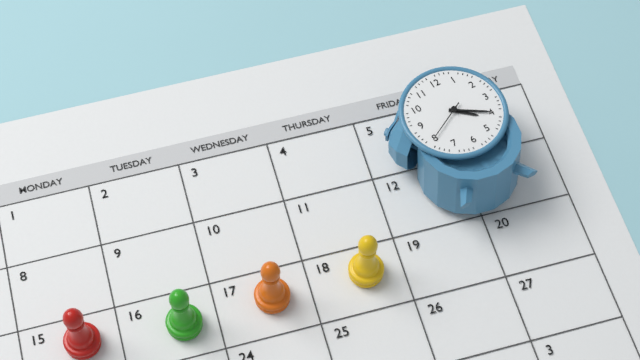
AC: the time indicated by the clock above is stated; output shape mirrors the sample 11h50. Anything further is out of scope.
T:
4h20
